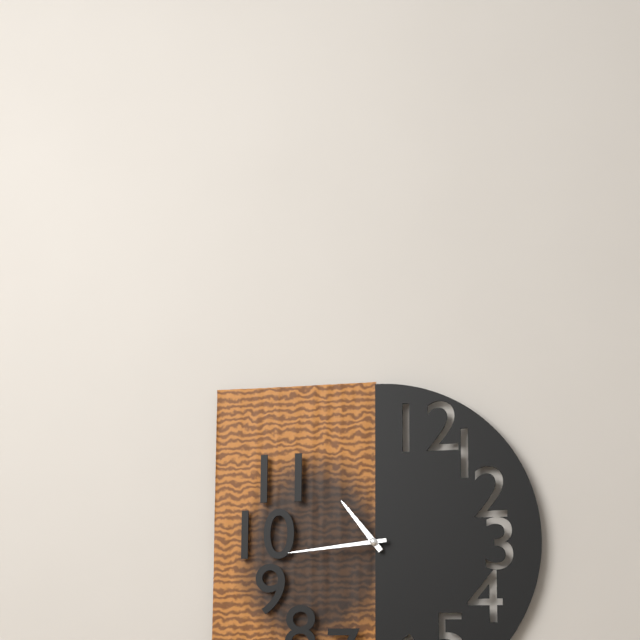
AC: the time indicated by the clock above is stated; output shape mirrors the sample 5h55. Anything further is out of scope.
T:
10h44
